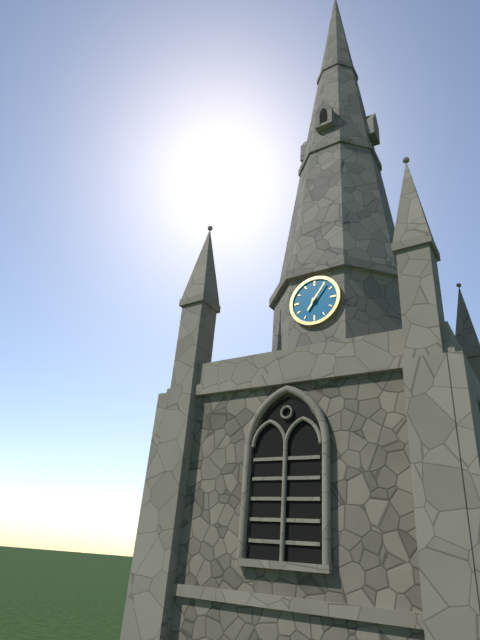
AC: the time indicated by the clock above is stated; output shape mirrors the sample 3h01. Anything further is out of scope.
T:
7h06
